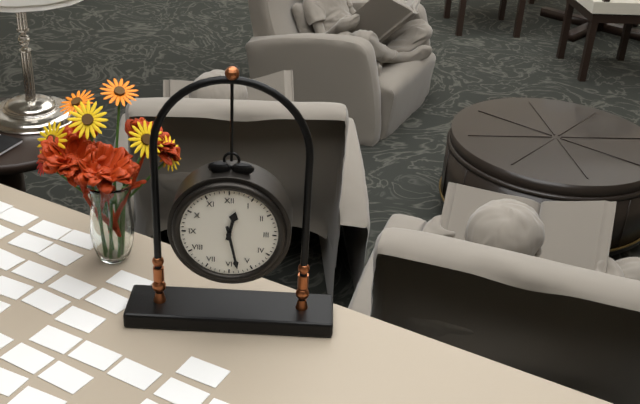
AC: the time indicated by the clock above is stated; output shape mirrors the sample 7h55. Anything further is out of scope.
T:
12h28
